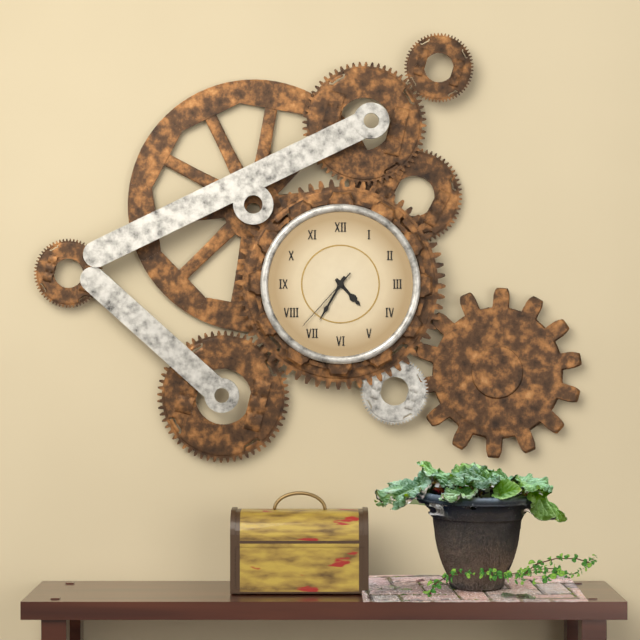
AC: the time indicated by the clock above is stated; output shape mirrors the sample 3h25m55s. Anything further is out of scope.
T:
4h35m37s
